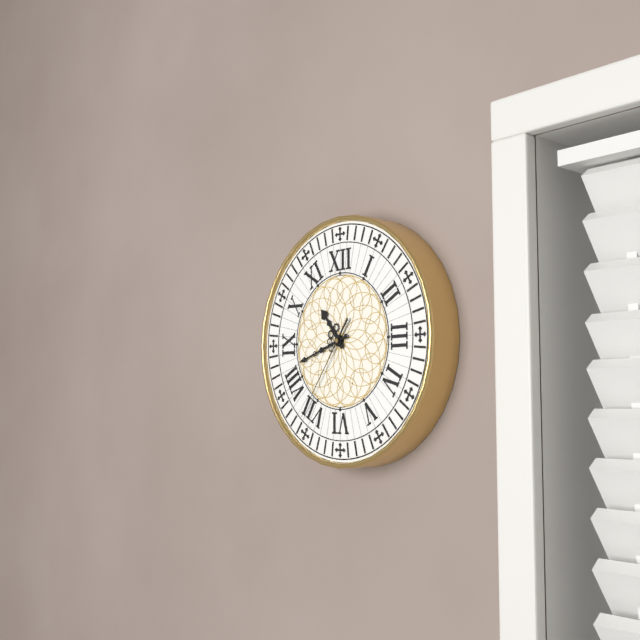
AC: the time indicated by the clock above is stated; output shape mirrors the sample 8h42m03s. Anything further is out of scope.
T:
10h42m36s
